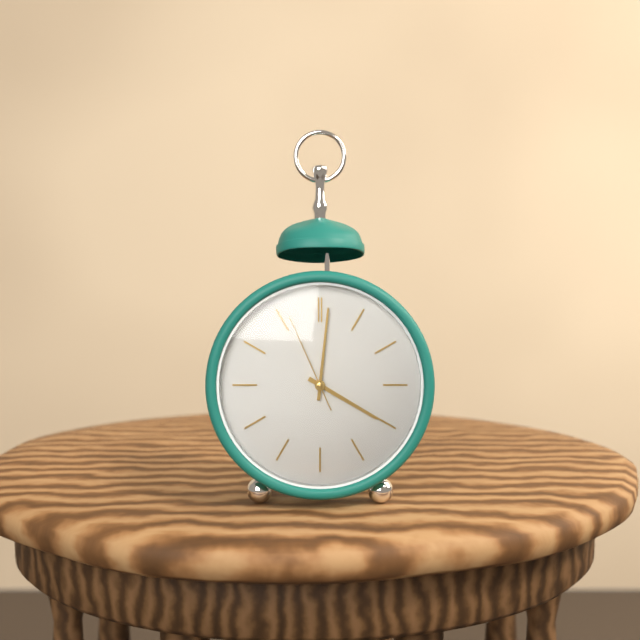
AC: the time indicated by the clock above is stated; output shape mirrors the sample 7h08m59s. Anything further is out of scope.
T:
4h01m56s
